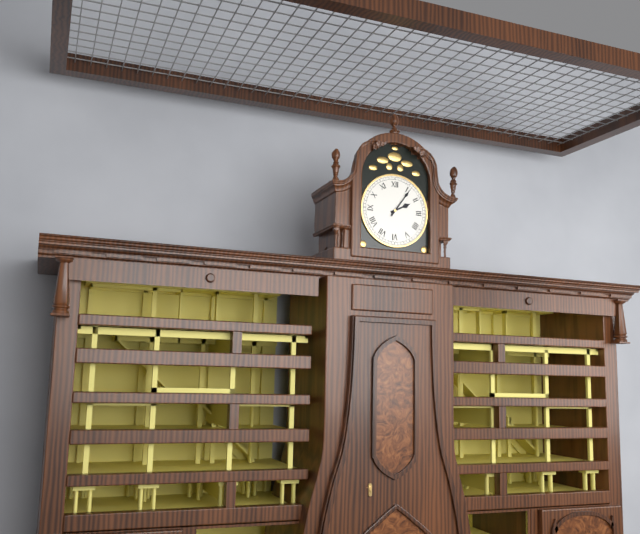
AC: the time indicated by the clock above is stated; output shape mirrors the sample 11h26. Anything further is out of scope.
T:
2h06
